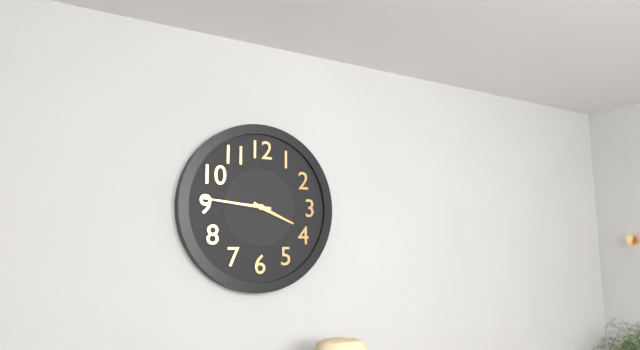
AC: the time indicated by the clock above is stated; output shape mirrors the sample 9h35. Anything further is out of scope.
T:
3h46
